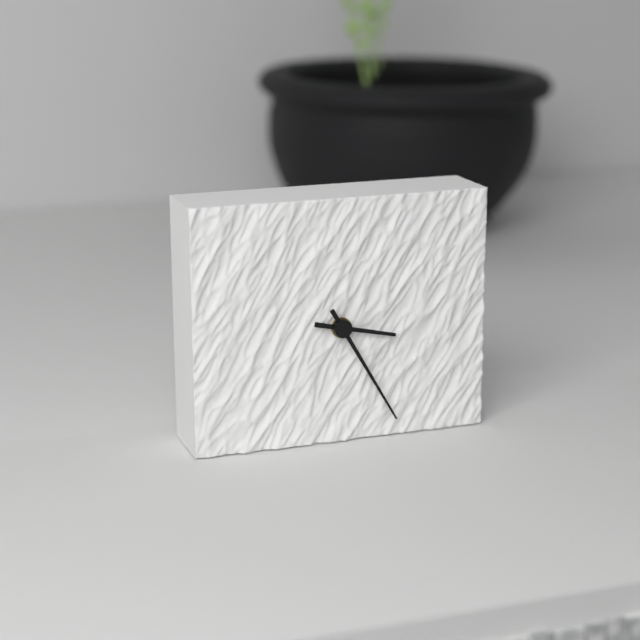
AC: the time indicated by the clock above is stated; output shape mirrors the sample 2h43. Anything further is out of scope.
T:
3h25
